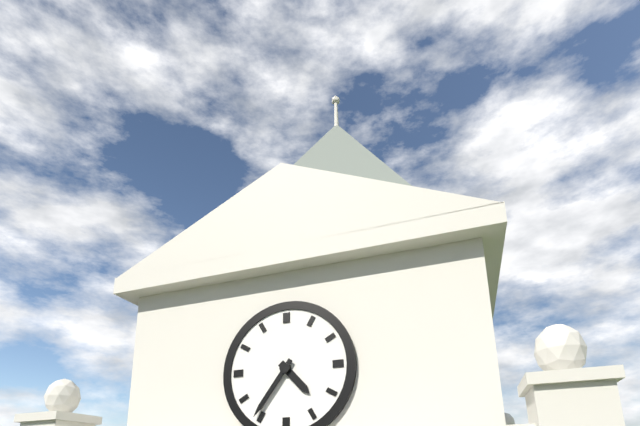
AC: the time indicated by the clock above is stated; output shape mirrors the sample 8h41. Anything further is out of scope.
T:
4h36
